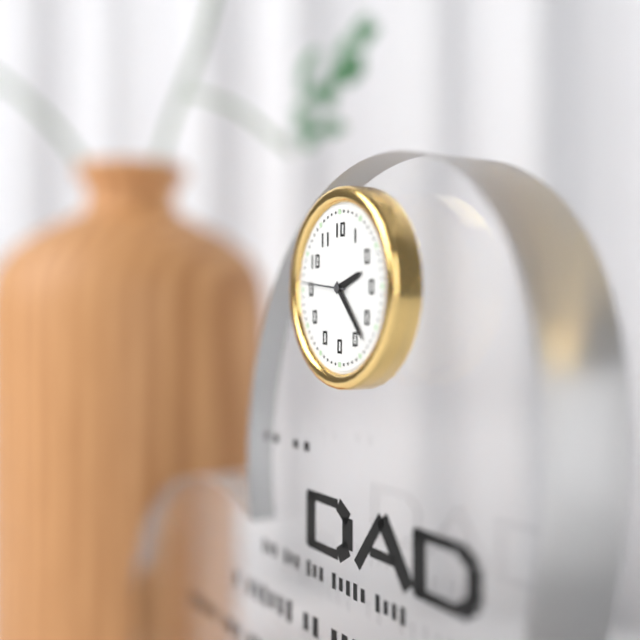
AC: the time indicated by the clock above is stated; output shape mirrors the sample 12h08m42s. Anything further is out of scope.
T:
2h23m46s
